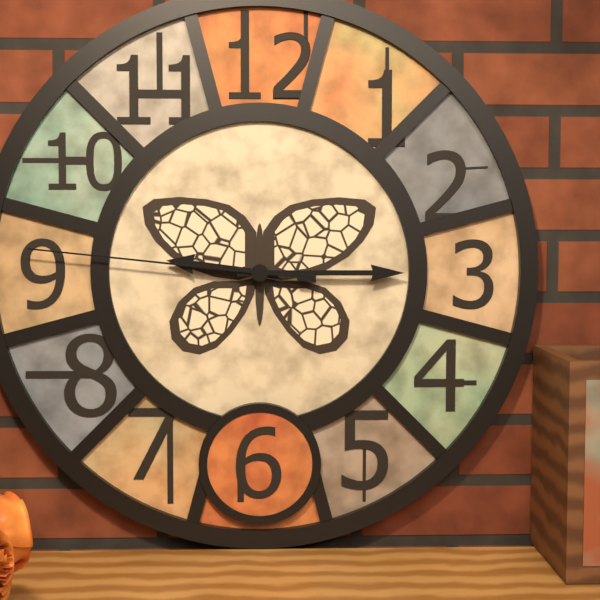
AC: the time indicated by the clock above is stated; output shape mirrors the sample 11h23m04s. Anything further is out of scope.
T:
9h15m46s
